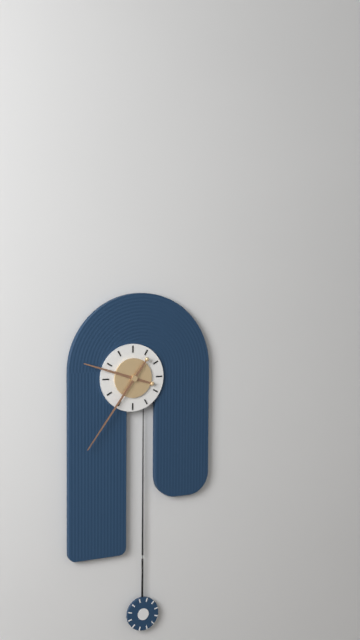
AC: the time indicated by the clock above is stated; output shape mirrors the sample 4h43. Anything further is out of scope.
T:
9h36
